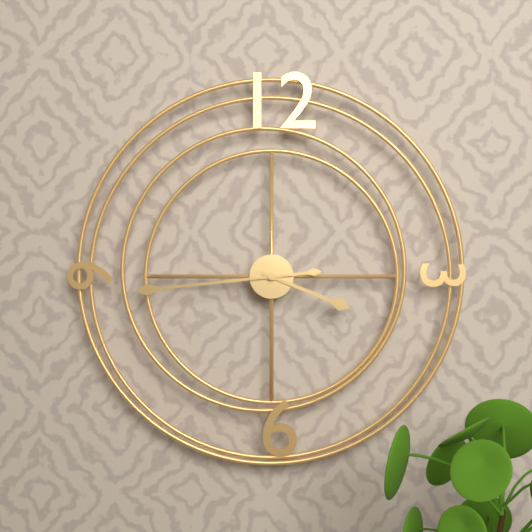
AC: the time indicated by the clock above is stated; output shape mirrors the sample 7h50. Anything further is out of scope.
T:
3h44
